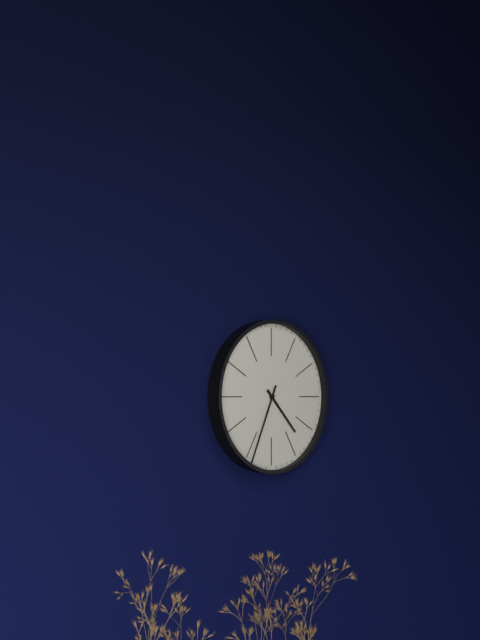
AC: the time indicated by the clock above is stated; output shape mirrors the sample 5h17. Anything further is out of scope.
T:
4h34
